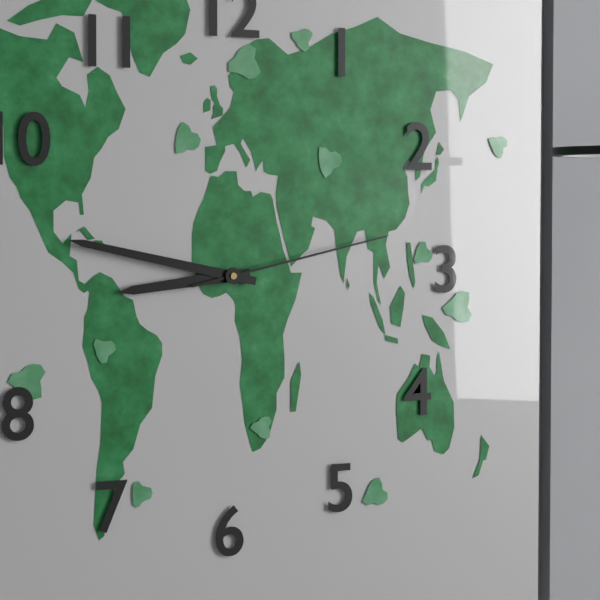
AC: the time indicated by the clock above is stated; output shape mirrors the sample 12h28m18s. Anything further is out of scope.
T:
8h47m13s
